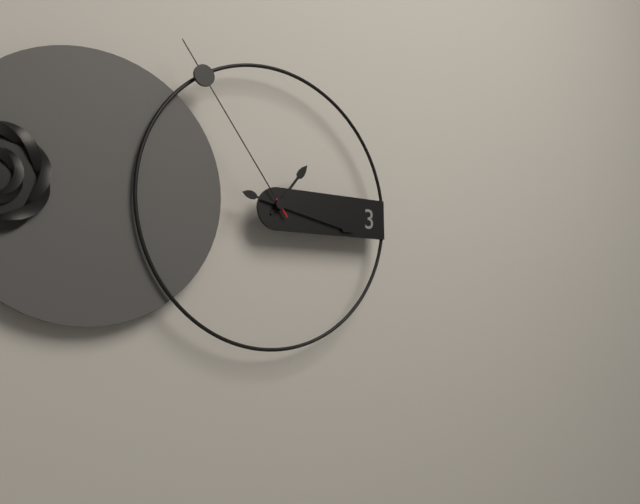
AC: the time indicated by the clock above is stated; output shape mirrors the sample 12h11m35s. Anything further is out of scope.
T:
1h17m54s
